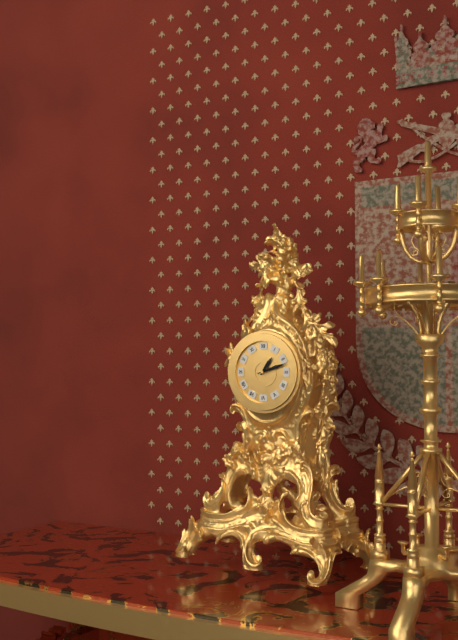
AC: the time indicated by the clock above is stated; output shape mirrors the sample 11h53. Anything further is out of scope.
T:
1h12
